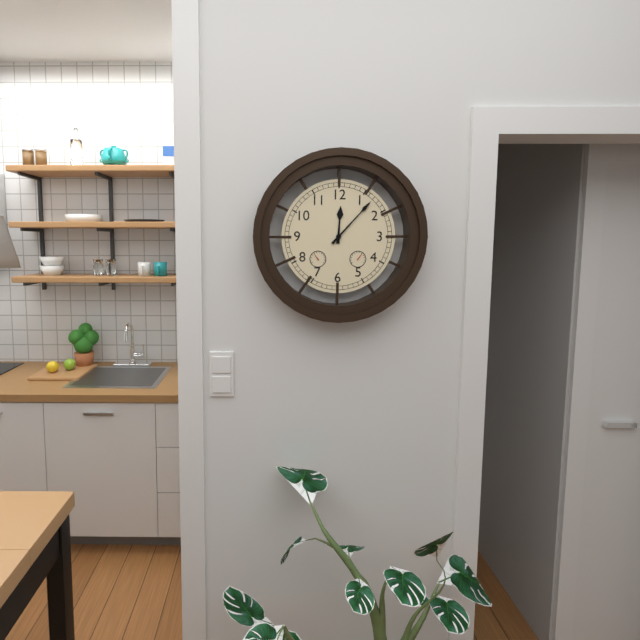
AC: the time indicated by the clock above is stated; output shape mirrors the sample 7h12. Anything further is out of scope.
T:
12h07
